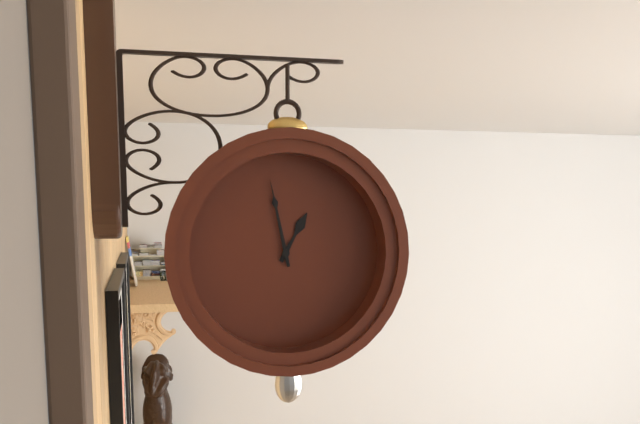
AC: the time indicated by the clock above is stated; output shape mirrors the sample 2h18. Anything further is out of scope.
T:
12h58
